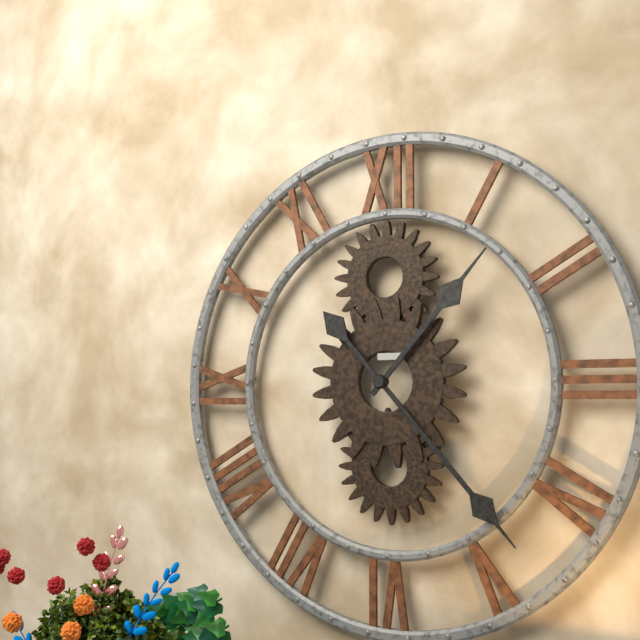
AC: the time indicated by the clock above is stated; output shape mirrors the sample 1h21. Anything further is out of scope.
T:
1h23
